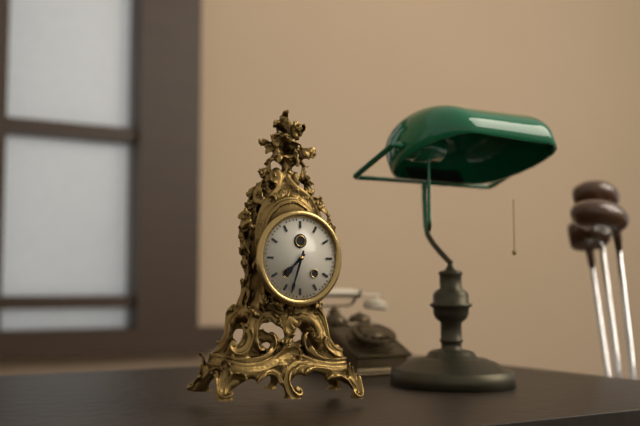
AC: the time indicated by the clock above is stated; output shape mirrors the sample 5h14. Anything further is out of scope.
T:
7h33
